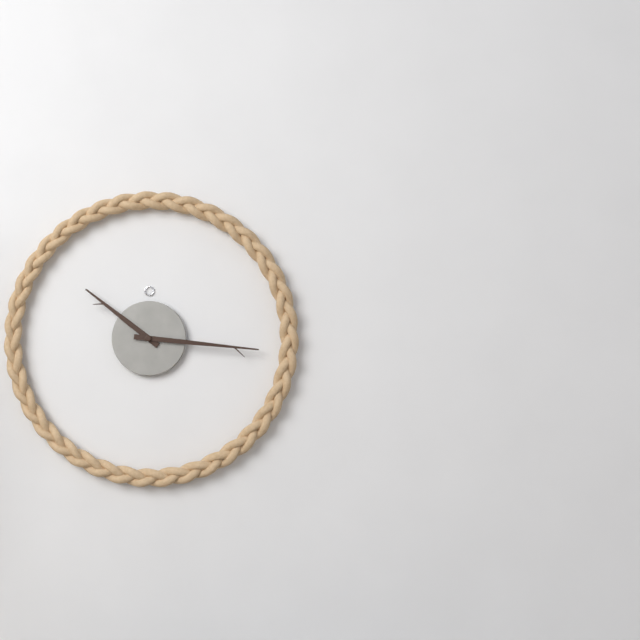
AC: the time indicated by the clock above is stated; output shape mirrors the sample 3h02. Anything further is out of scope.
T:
10h16
